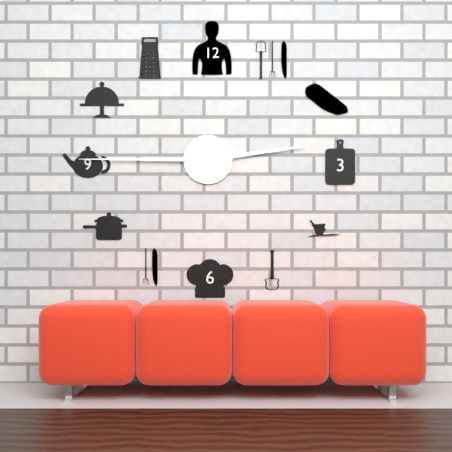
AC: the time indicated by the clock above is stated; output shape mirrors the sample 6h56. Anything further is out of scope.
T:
2h45
